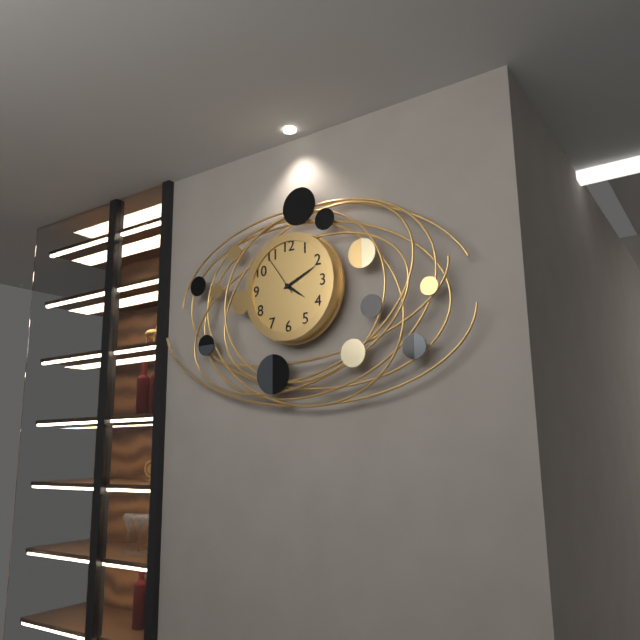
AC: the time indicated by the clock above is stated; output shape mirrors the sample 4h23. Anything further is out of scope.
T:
4h11
